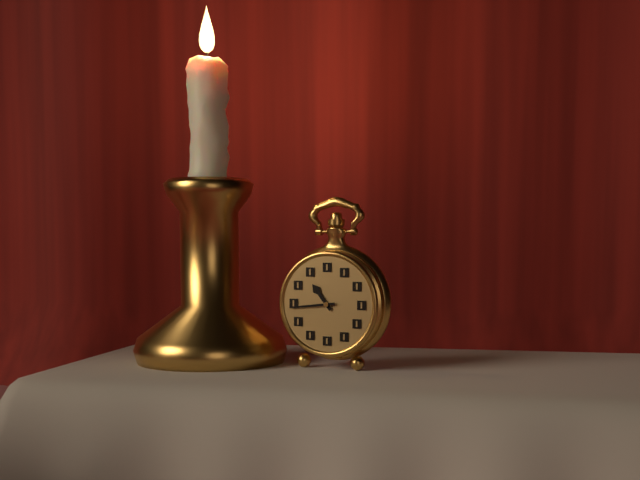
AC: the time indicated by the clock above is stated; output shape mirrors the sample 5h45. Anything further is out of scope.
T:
10h44
